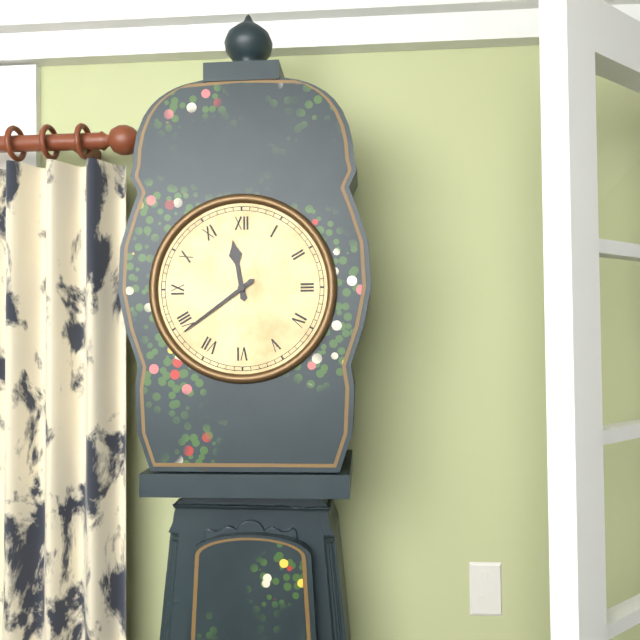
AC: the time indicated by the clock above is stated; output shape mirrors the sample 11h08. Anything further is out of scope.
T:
11h39
